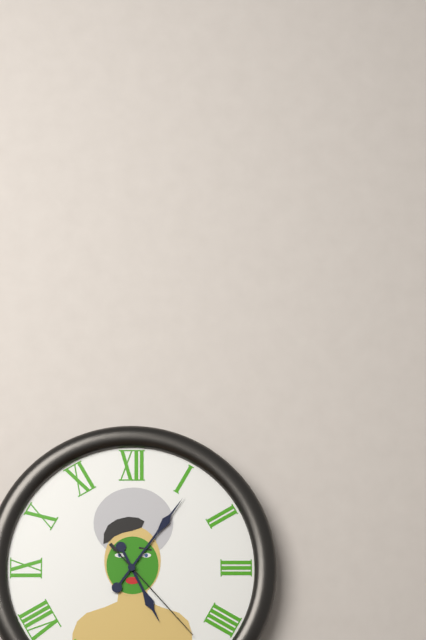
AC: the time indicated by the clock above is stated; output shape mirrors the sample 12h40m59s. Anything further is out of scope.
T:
5h06m23s
